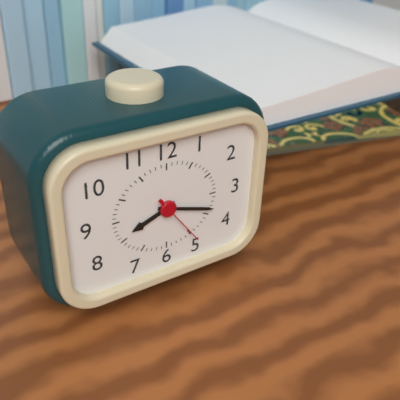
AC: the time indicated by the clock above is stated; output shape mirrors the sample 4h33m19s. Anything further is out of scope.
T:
8h18m24s
